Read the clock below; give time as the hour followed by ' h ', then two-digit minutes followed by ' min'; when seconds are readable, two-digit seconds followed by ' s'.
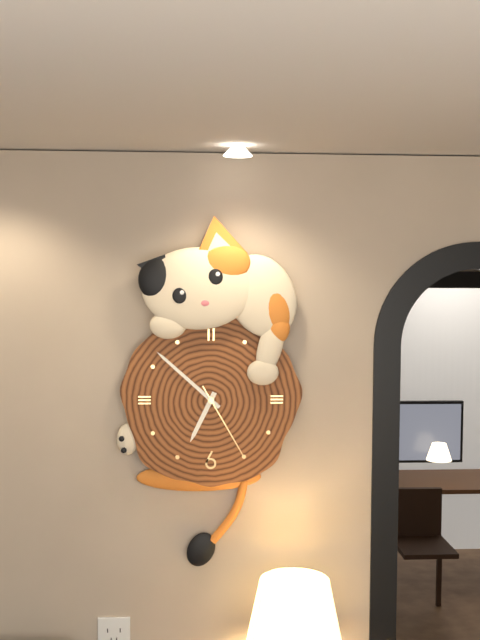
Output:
6 h 52 min 25 s
